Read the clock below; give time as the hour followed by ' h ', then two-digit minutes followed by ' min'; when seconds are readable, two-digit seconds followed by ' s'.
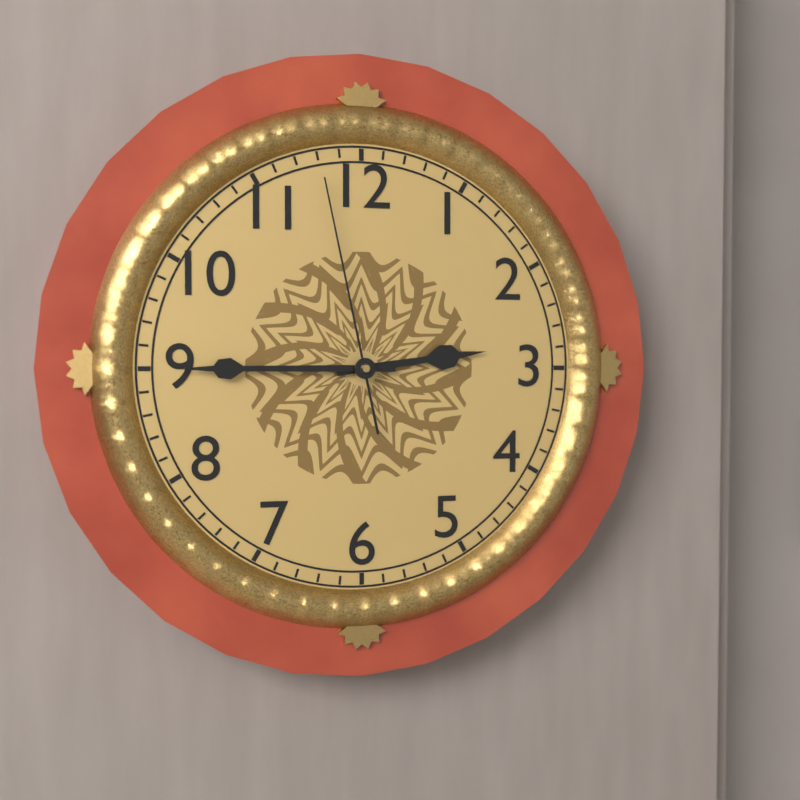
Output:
2 h 45 min 58 s
